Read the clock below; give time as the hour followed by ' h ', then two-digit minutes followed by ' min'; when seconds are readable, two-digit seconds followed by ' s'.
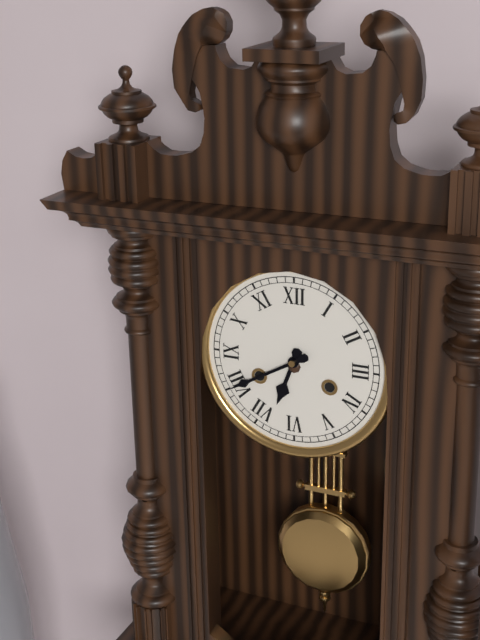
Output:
6 h 40 min
